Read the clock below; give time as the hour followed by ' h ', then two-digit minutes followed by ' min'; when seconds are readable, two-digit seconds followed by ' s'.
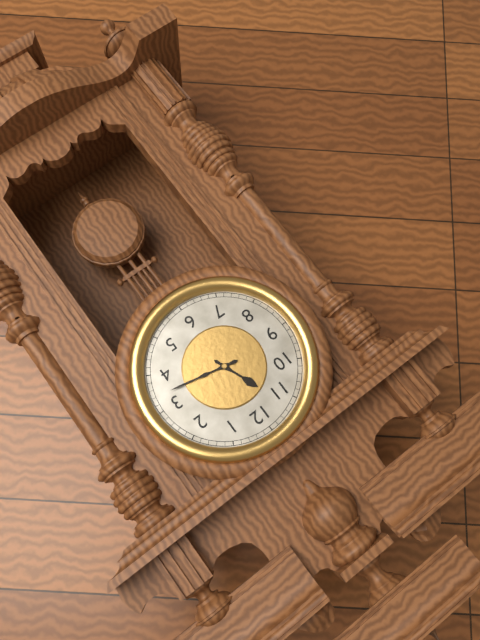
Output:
11 h 17 min
